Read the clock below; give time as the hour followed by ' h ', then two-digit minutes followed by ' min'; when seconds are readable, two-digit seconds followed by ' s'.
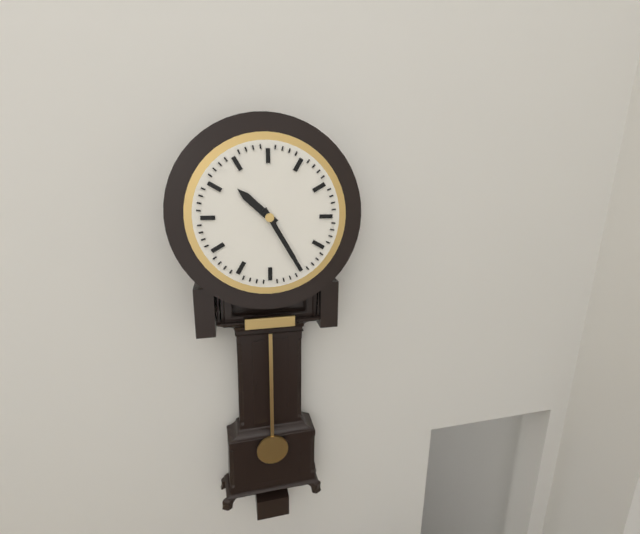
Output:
10 h 25 min
